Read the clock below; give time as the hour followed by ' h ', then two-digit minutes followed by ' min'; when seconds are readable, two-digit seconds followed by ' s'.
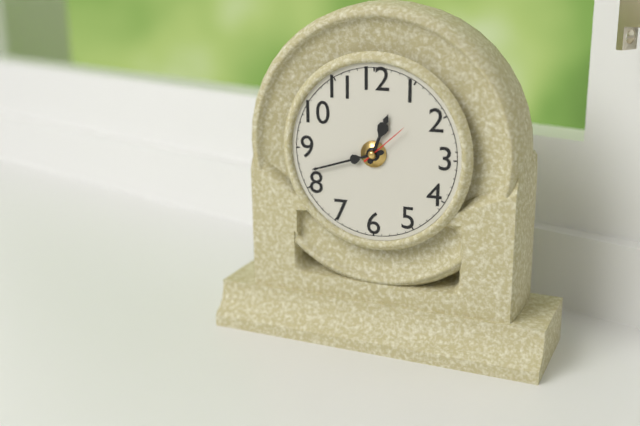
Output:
12 h 42 min 08 s
